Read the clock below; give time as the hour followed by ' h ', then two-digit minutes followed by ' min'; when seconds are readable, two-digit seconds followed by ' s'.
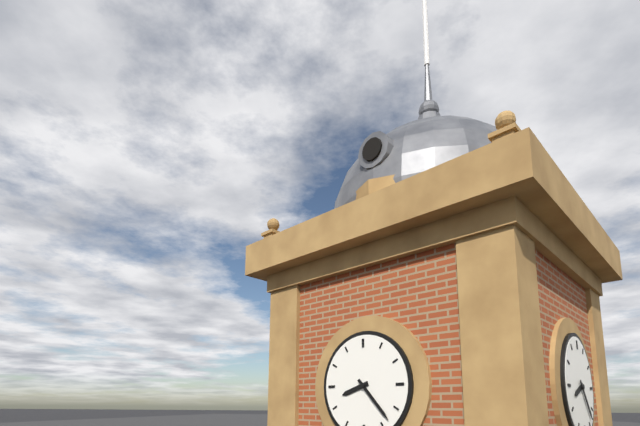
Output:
8 h 23 min
